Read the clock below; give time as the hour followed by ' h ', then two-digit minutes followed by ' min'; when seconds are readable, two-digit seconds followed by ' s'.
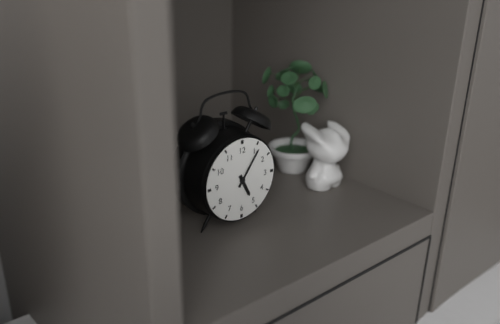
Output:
5 h 06 min
